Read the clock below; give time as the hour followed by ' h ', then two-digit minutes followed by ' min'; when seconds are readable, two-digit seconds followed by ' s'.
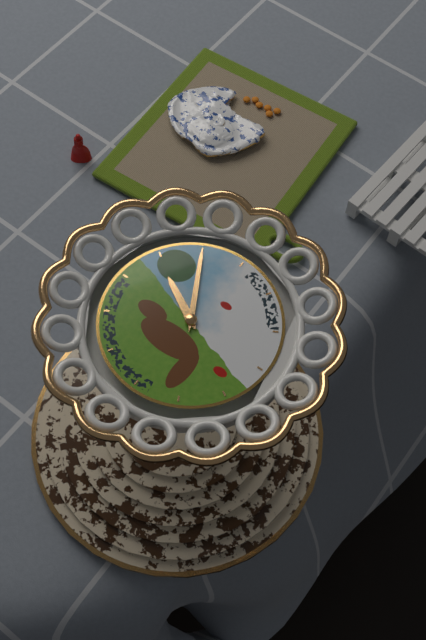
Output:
9 h 55 min
